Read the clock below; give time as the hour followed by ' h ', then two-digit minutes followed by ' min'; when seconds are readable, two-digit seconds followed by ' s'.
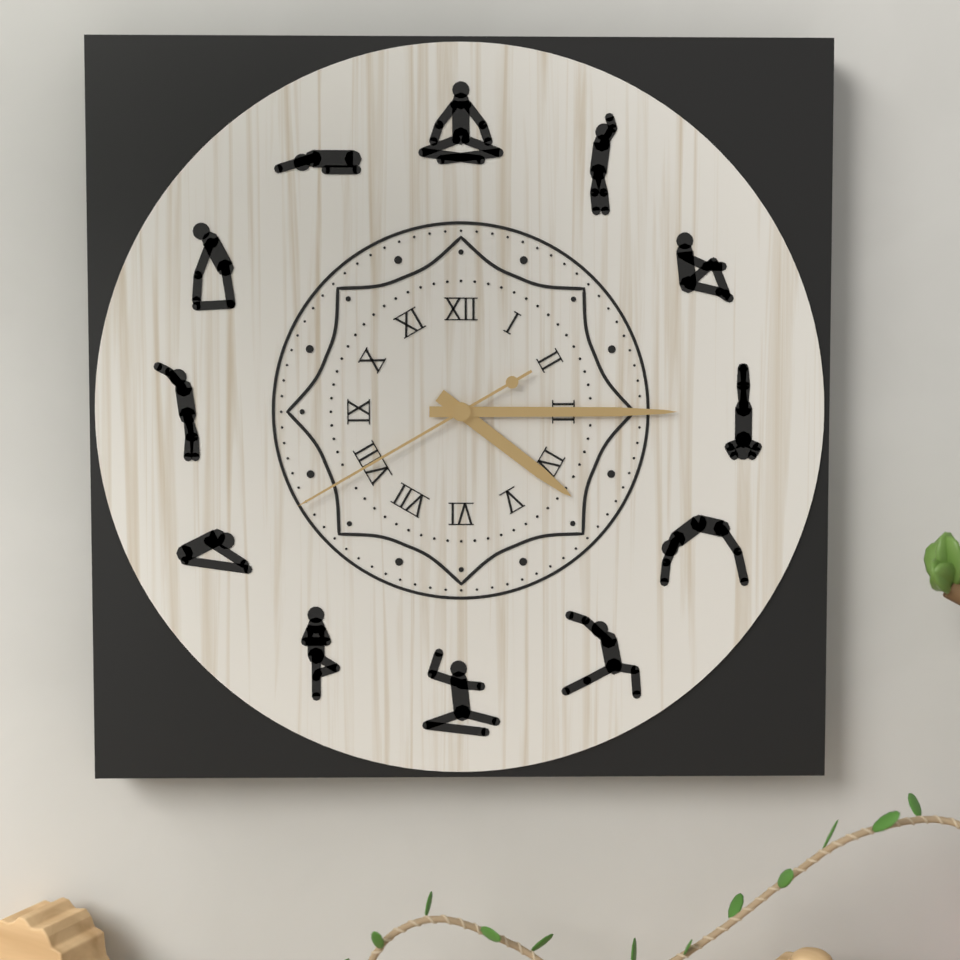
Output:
4 h 15 min 40 s
